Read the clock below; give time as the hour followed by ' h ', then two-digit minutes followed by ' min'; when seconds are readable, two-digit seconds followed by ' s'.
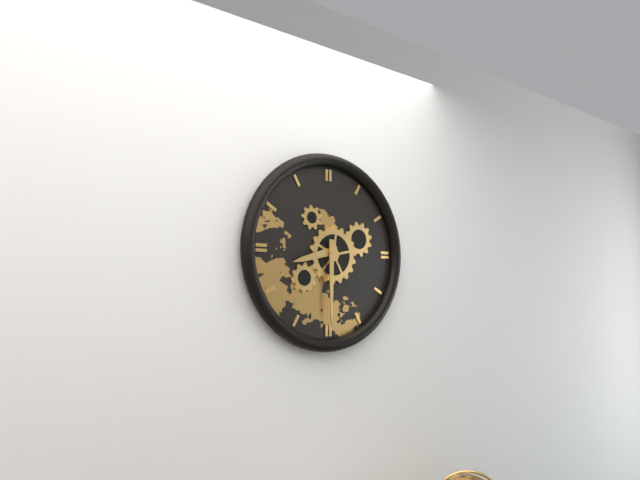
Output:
8 h 30 min
